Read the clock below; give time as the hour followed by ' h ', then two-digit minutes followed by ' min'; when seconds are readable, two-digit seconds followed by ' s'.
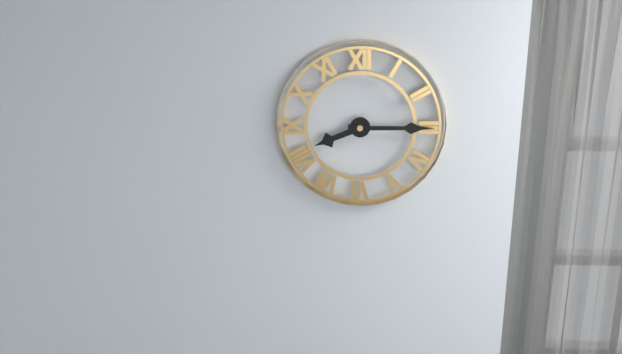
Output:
8 h 15 min
